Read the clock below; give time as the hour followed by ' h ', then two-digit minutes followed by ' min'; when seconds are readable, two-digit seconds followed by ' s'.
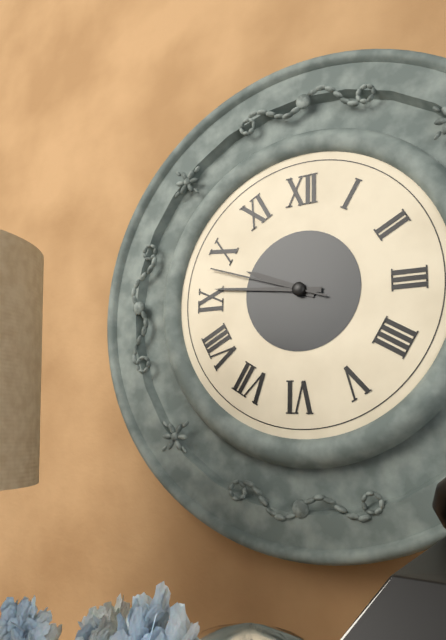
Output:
9 h 46 min 48 s
